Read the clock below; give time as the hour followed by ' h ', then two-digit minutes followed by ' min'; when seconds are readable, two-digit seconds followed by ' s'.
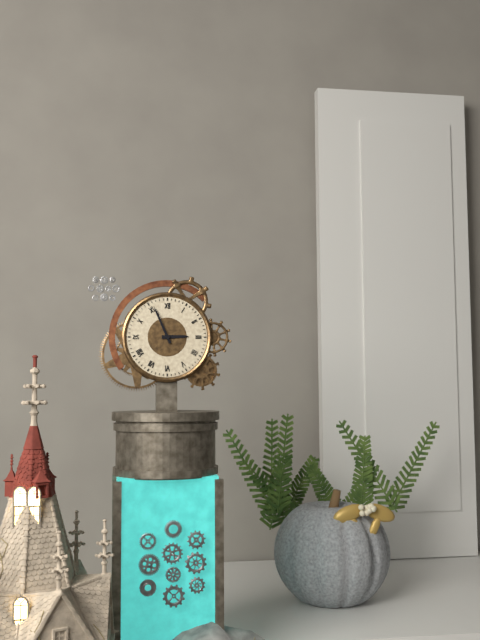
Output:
2 h 56 min
